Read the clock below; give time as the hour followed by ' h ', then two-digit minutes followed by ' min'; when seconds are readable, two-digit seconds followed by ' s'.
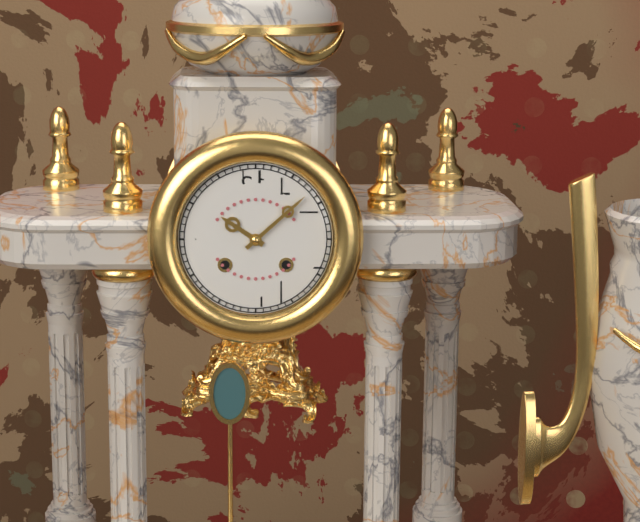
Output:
10 h 08 min
